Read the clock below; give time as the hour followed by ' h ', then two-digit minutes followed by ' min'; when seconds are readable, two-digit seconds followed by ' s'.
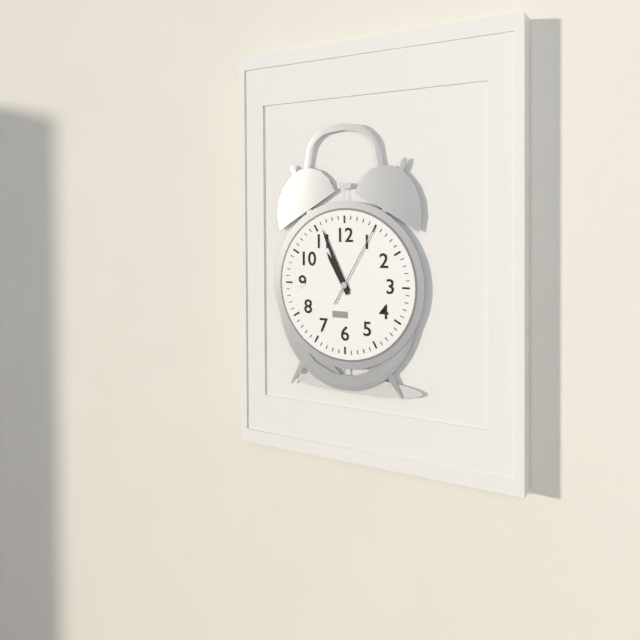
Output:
10 h 56 min 05 s
